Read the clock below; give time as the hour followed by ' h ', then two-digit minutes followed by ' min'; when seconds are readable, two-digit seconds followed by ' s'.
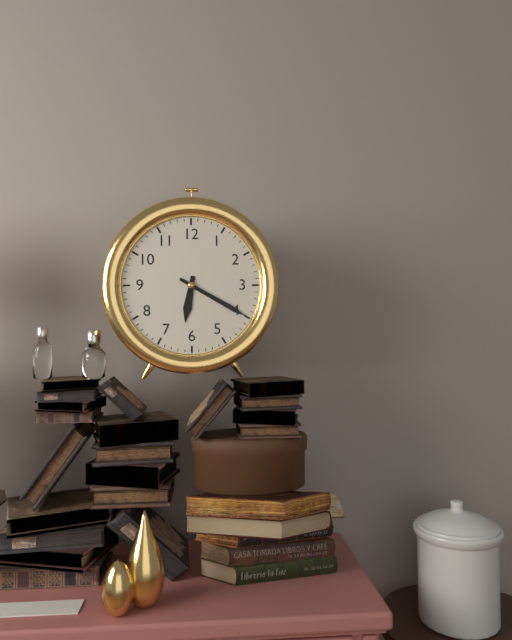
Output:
6 h 20 min
